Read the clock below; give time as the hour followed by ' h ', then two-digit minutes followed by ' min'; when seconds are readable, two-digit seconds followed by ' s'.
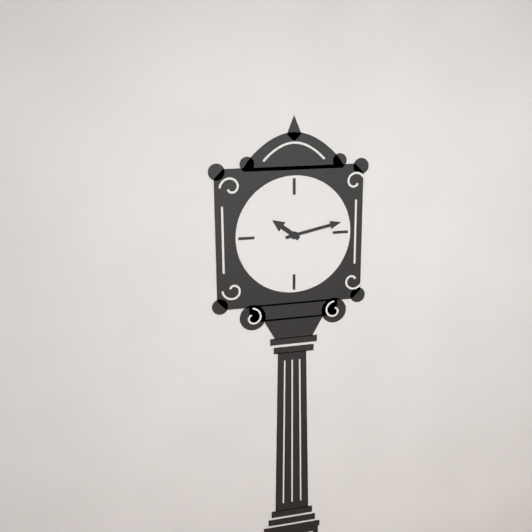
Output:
10 h 13 min
